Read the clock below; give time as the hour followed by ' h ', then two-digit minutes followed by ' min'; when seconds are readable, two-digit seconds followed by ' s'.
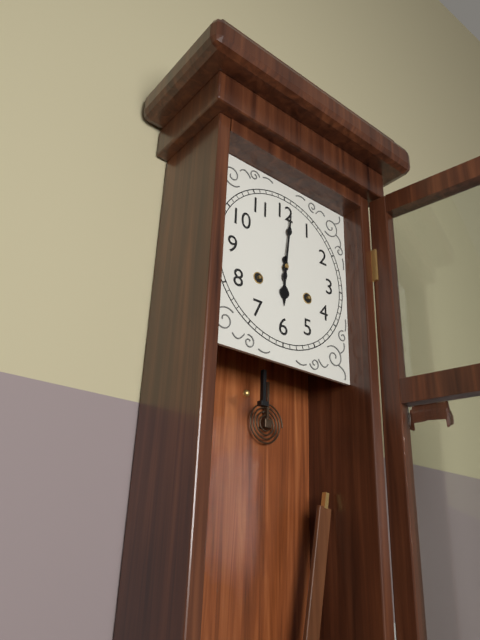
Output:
6 h 01 min
